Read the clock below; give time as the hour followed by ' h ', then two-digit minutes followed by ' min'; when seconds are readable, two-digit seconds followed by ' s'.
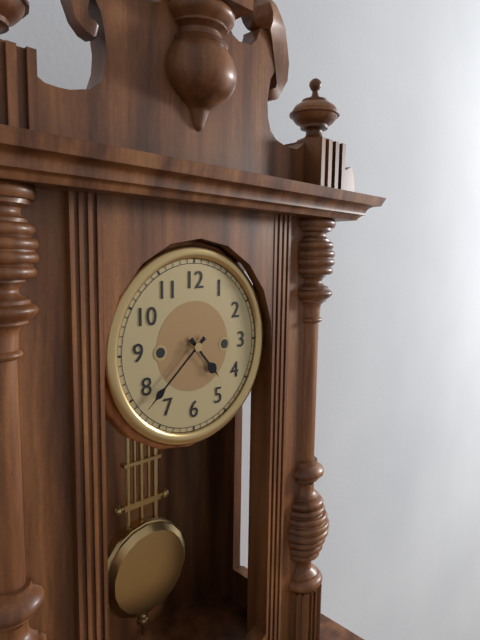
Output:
4 h 38 min
